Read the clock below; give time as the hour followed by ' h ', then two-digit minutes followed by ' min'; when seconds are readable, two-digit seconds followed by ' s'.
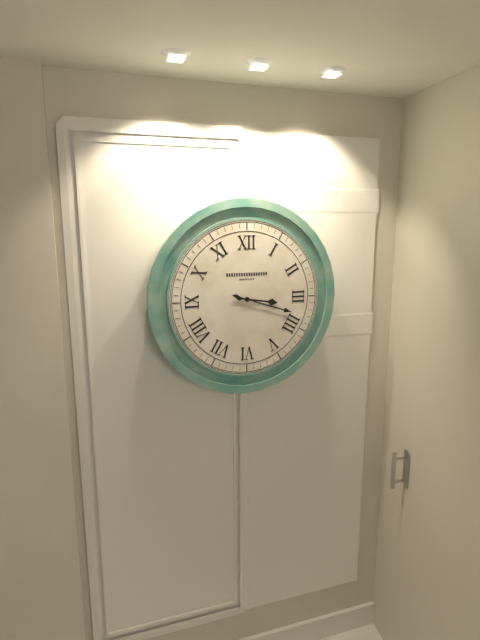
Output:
3 h 18 min
